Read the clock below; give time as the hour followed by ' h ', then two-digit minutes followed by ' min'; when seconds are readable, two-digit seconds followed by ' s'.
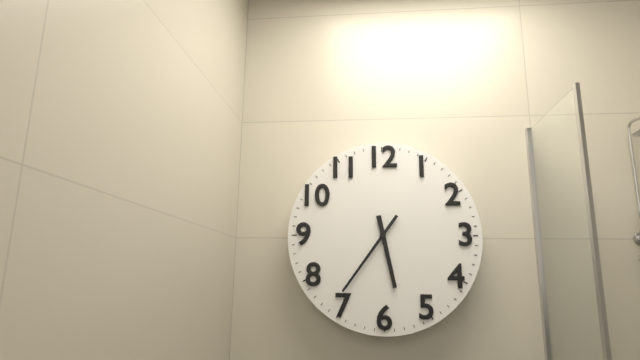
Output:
5 h 36 min
